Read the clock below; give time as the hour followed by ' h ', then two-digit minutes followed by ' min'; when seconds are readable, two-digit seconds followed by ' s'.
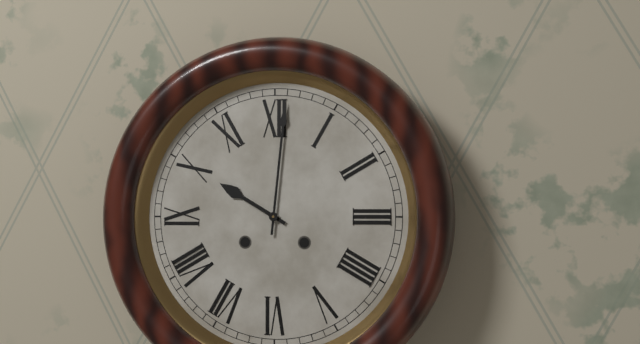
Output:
10 h 01 min
